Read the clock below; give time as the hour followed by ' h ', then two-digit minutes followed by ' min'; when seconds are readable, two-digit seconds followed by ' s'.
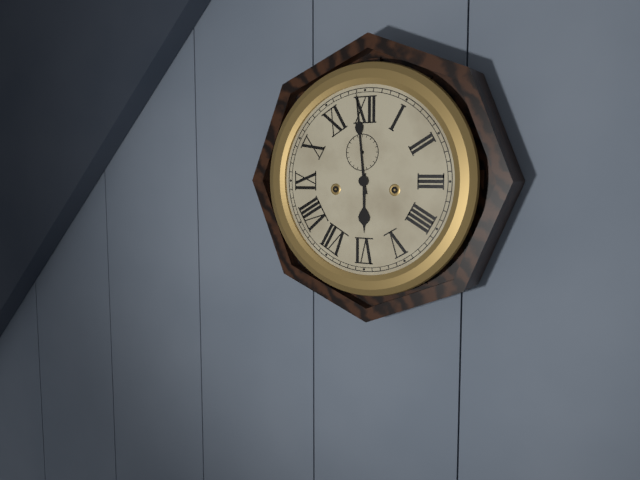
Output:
5 h 59 min
